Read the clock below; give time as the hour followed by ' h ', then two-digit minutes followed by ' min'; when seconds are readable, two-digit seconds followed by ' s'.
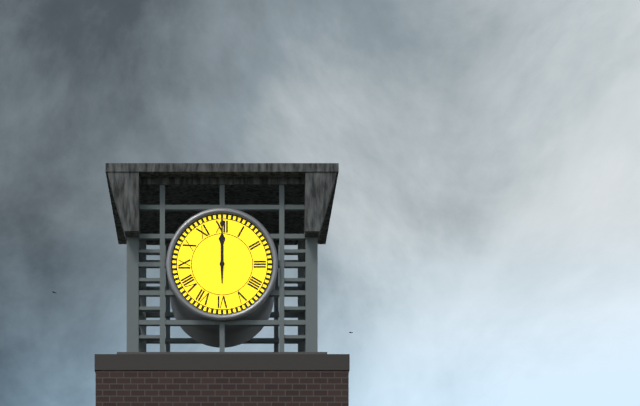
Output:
12 h 00 min
